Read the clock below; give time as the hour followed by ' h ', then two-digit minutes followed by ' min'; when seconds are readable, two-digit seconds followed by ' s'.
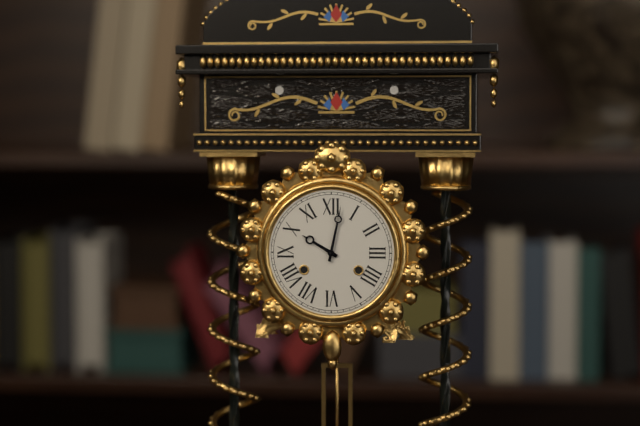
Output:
10 h 02 min
